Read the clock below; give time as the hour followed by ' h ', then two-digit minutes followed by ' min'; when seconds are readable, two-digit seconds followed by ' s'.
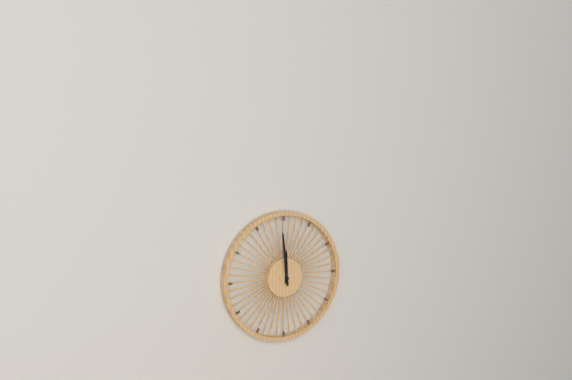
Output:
11 h 59 min
